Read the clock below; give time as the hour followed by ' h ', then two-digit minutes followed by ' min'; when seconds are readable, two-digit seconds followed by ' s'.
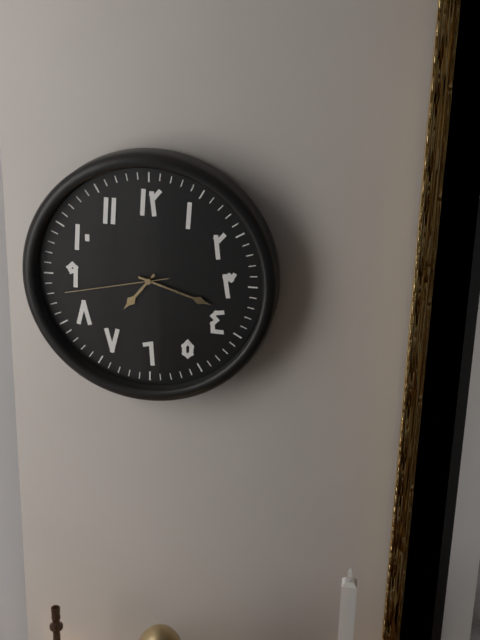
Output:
7 h 18 min 43 s
